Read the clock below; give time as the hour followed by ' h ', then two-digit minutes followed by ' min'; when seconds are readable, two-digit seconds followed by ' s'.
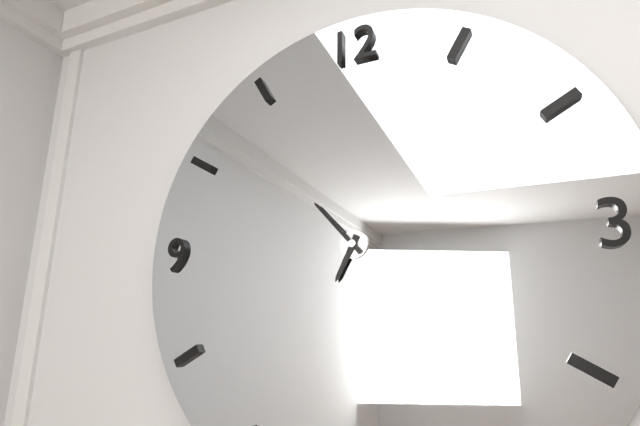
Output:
6 h 53 min
